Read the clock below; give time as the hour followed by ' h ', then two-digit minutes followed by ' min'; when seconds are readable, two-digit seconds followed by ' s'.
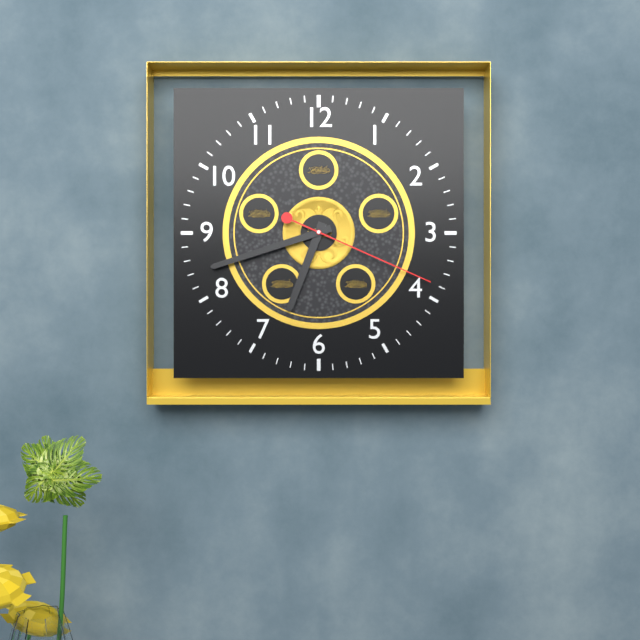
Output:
6 h 42 min 19 s
